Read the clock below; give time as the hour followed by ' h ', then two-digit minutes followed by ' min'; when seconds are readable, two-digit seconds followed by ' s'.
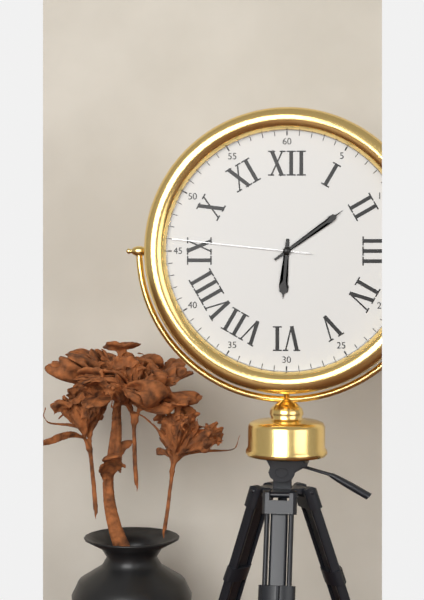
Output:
6 h 09 min 46 s
